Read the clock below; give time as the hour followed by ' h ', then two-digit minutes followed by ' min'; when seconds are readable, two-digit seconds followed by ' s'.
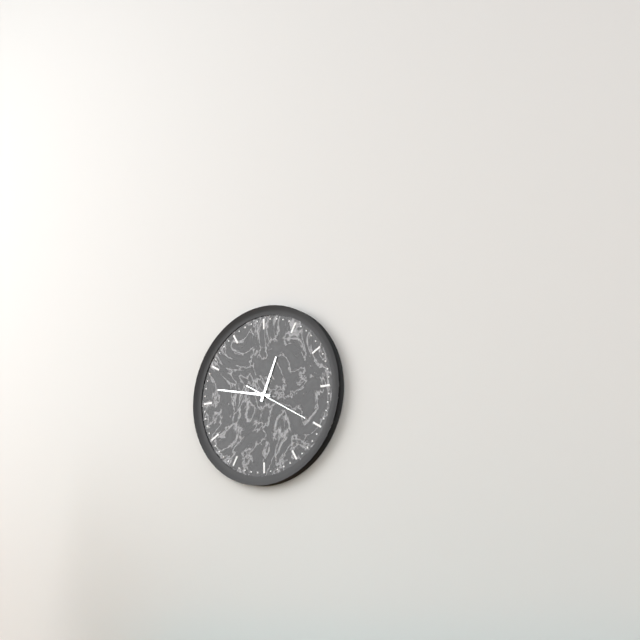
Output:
12 h 47 min 20 s
